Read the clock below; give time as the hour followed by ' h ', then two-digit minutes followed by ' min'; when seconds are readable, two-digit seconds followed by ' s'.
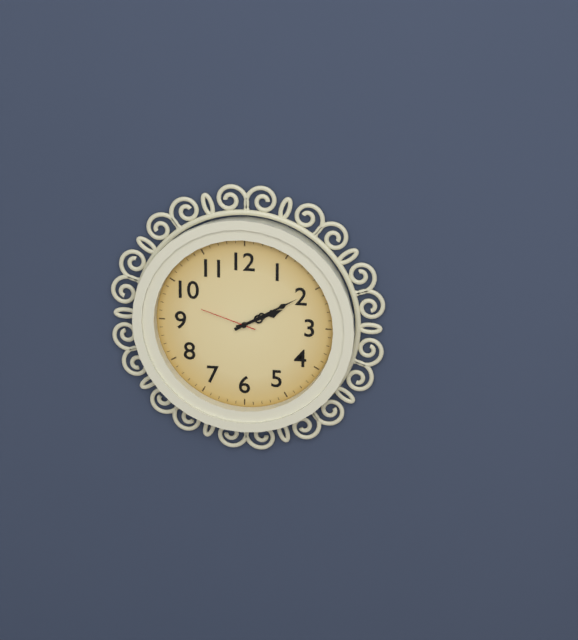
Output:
2 h 10 min 48 s
